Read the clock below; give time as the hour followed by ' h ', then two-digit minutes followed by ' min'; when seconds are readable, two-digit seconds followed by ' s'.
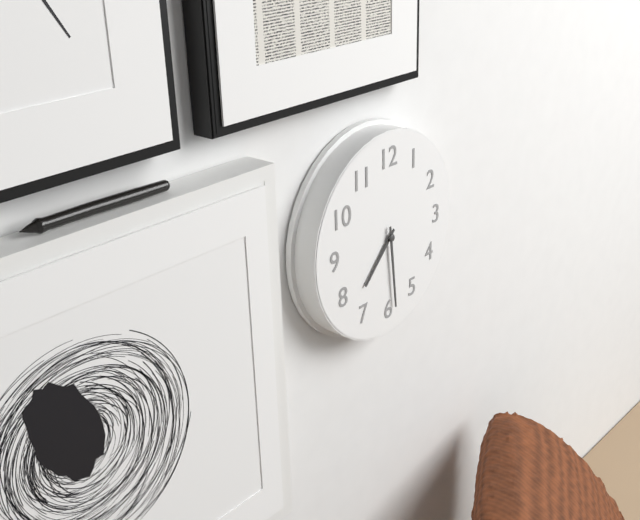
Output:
7 h 29 min
